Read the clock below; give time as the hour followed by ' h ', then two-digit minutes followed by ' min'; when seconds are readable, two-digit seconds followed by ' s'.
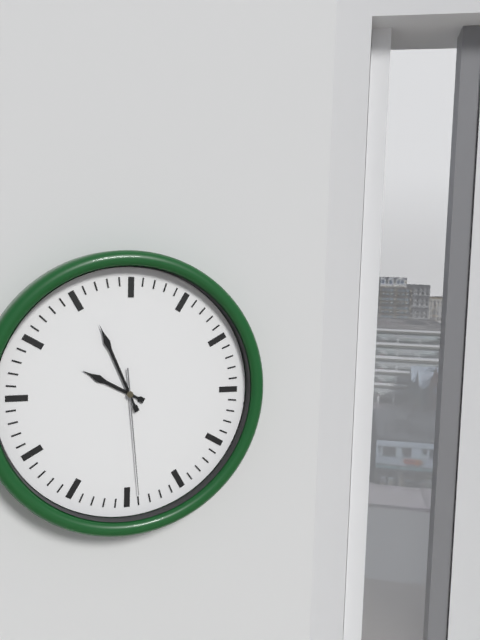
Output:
9 h 56 min 29 s
